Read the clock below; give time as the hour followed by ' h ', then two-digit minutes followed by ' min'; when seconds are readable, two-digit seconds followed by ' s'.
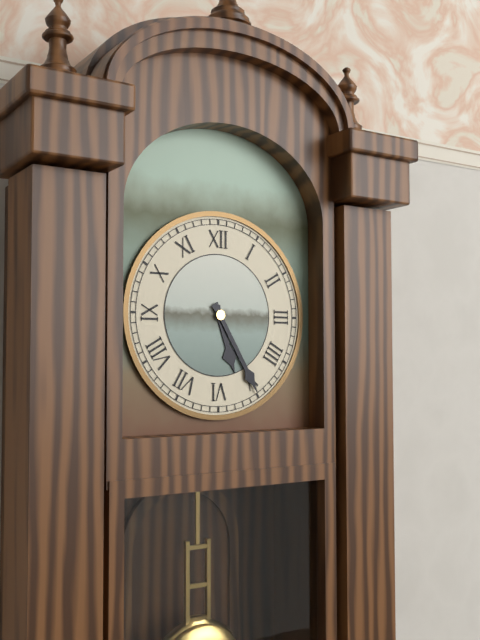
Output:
5 h 25 min
